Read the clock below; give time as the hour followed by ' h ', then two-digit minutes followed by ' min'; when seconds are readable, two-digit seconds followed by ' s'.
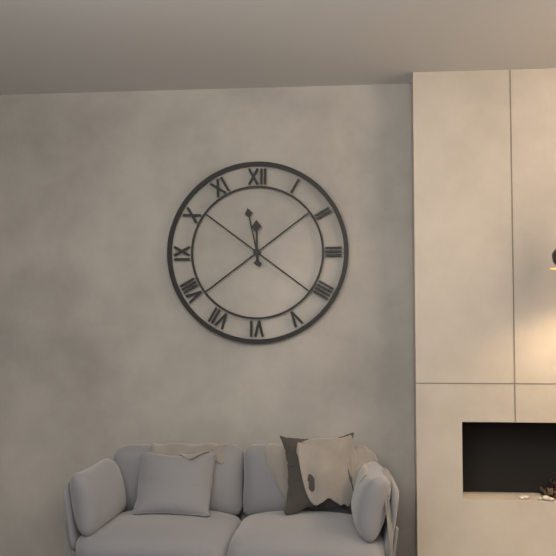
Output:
11 h 58 min
